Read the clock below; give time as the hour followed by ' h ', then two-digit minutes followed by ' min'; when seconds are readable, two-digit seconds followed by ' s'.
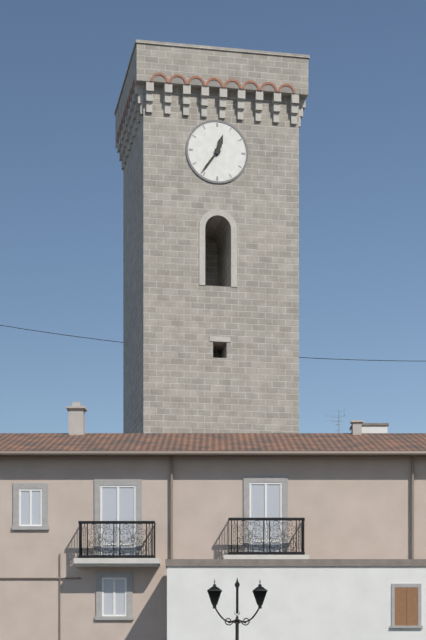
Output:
12 h 36 min
